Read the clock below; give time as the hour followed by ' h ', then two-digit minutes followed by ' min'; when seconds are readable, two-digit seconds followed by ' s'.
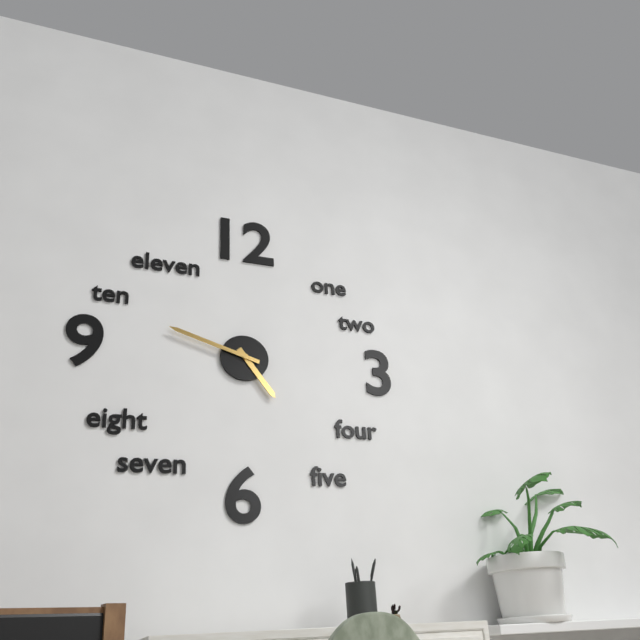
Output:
4 h 48 min
